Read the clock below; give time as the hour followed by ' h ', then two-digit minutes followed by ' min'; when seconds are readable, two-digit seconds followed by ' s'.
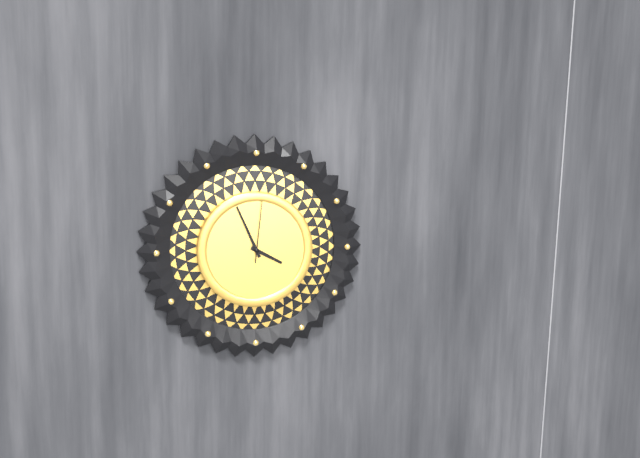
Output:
3 h 56 min 01 s
